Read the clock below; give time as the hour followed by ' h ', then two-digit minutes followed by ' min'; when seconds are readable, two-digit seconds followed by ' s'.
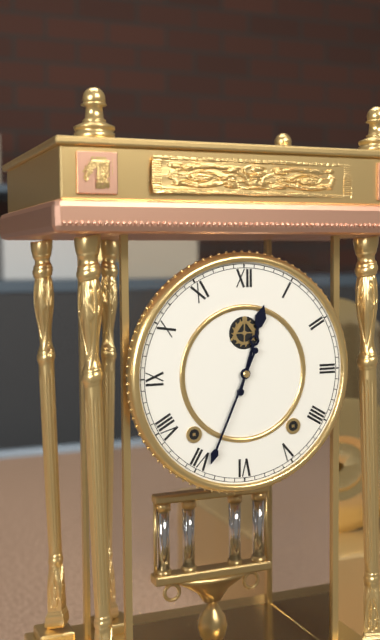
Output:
12 h 34 min
